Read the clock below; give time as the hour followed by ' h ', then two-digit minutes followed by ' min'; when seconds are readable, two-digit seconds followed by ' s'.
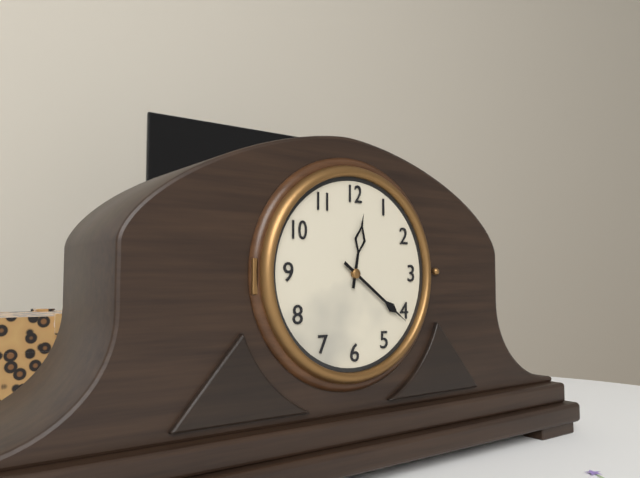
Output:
12 h 21 min
